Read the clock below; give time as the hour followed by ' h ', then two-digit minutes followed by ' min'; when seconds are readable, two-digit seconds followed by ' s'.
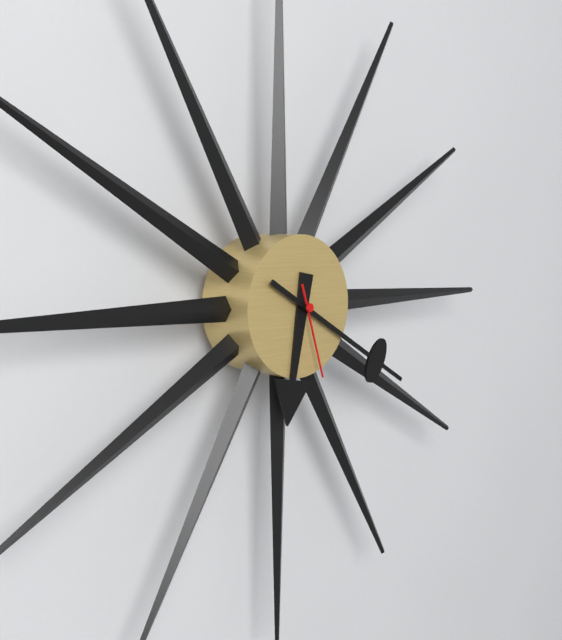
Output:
6 h 20 min 27 s
